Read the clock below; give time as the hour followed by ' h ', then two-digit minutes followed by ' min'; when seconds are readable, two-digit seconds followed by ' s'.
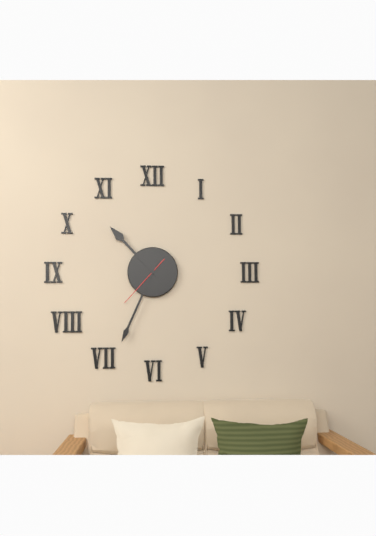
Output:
10 h 34 min 37 s
